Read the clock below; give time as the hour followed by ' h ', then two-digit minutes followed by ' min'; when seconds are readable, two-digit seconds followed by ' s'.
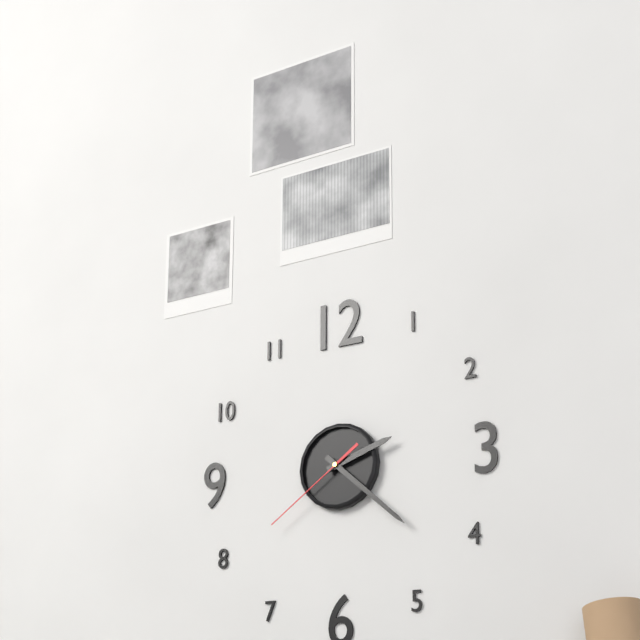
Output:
2 h 22 min 39 s
